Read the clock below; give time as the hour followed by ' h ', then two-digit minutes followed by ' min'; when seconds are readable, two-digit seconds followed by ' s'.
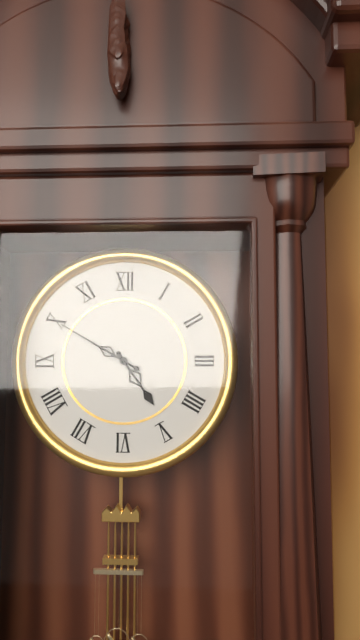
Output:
4 h 50 min
